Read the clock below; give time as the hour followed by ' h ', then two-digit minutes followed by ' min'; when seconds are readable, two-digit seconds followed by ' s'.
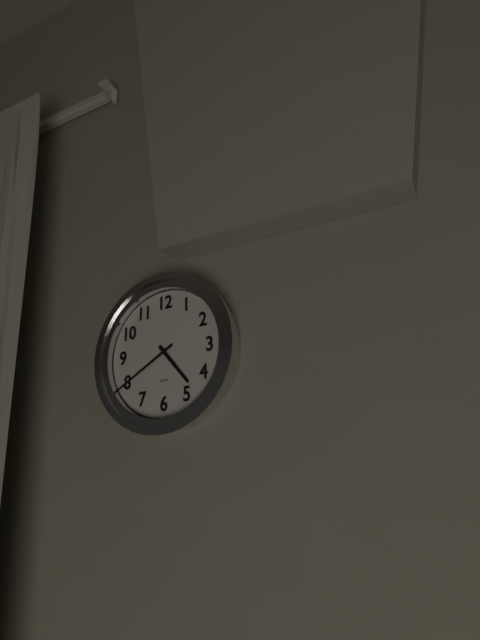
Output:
4 h 40 min
